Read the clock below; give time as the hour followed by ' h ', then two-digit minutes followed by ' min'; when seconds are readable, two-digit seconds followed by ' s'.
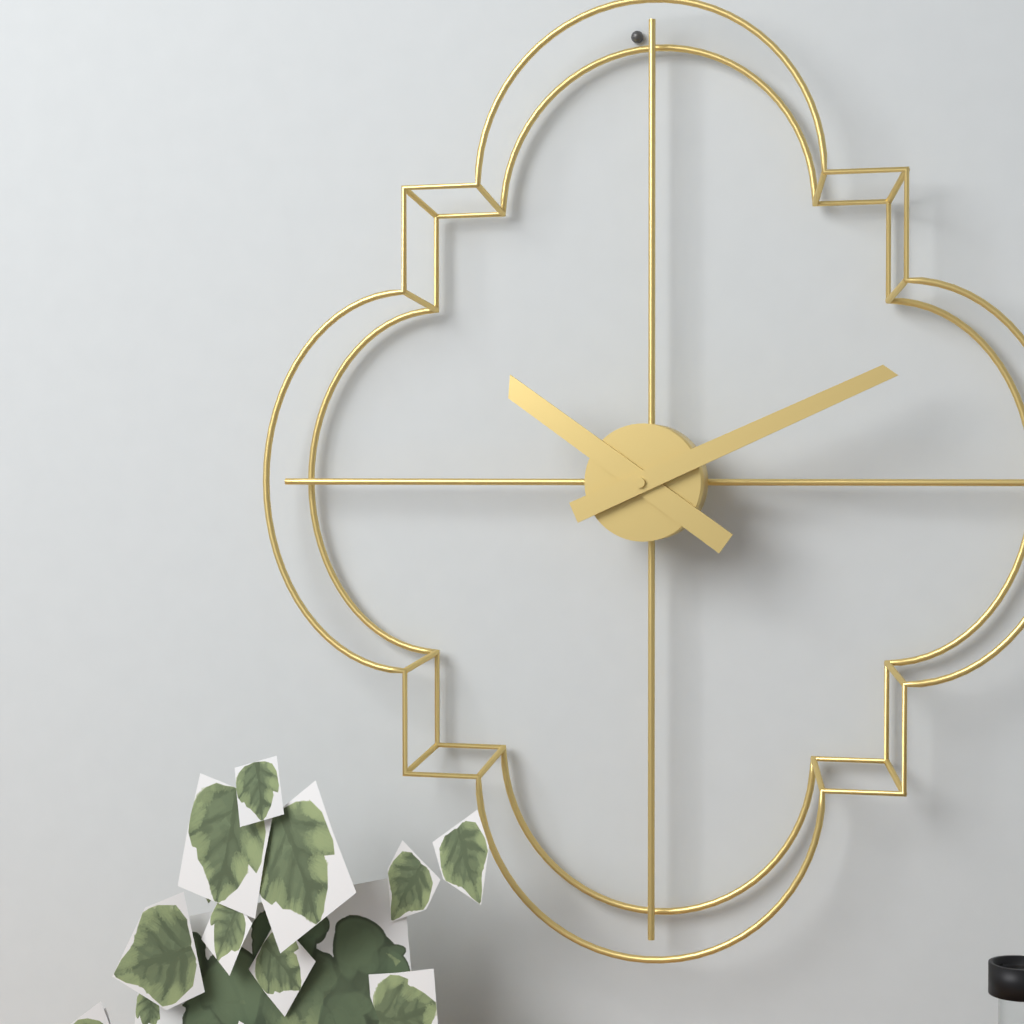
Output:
10 h 11 min
